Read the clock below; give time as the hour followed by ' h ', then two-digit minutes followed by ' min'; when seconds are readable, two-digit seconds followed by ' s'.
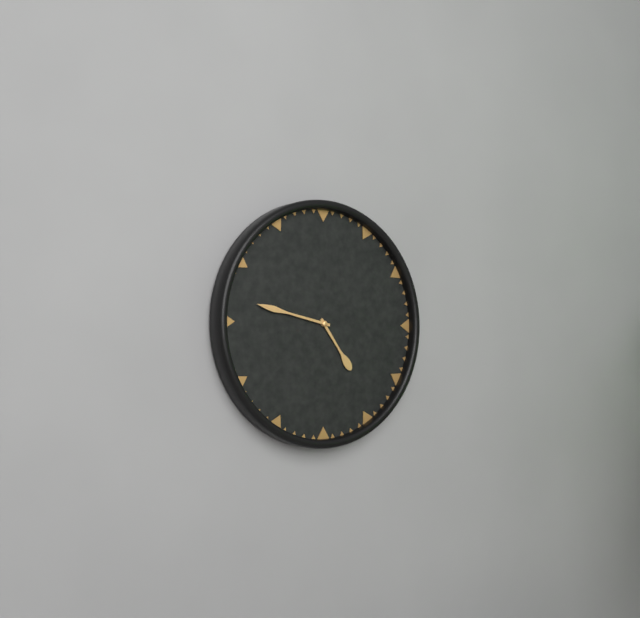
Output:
4 h 47 min
